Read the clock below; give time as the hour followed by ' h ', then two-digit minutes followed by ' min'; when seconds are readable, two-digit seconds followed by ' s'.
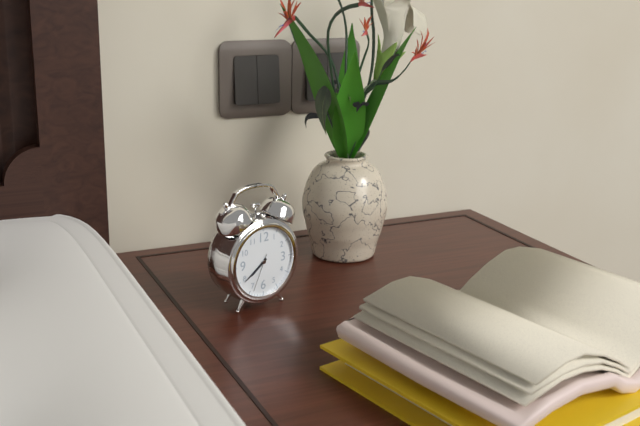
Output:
7 h 39 min
